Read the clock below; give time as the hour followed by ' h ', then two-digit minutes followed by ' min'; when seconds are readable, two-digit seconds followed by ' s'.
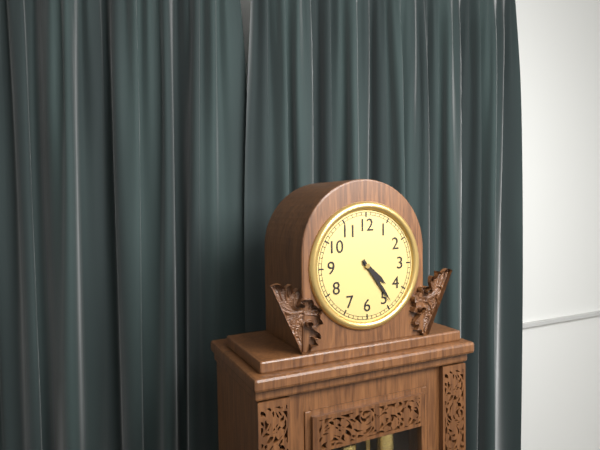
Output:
4 h 24 min
